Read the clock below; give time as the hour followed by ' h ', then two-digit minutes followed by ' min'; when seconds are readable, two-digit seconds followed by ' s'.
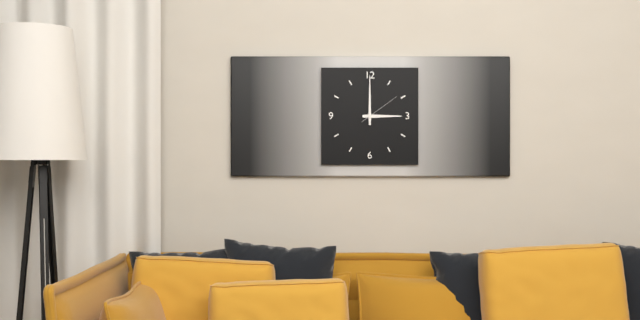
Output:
3 h 00 min
